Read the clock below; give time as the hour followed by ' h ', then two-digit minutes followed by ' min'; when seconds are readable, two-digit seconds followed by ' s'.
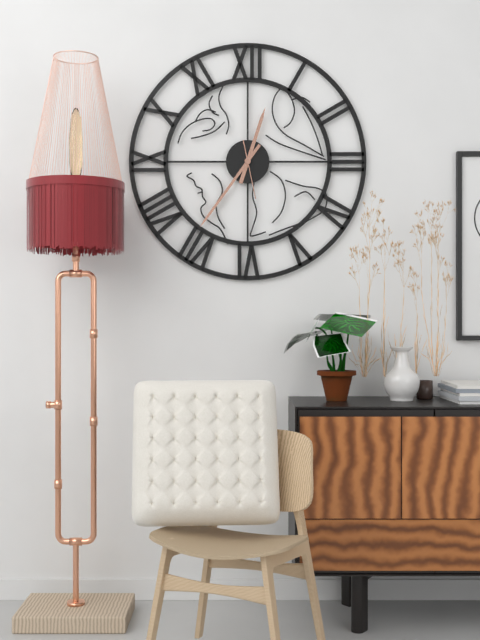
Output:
12 h 36 min
